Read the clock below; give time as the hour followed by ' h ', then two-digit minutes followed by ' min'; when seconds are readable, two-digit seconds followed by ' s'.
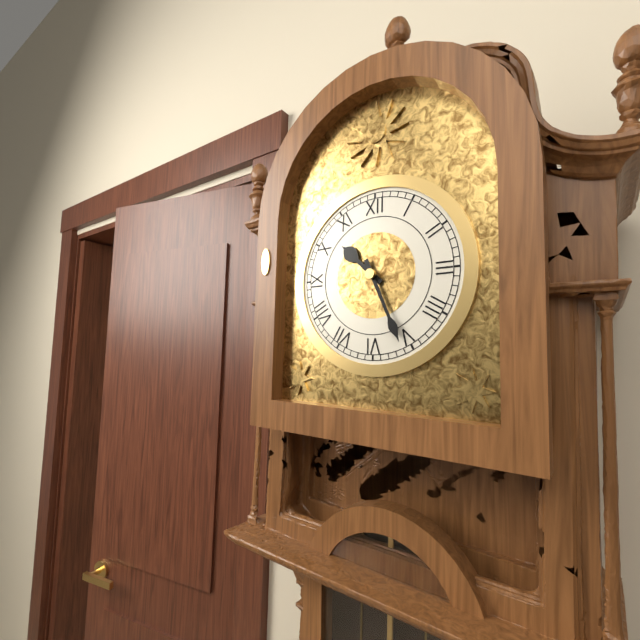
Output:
10 h 26 min
